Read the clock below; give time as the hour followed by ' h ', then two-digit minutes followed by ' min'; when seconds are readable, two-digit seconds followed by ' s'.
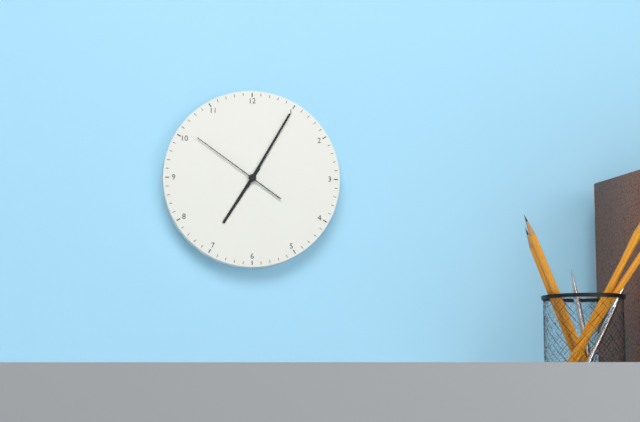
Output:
7 h 05 min 51 s
